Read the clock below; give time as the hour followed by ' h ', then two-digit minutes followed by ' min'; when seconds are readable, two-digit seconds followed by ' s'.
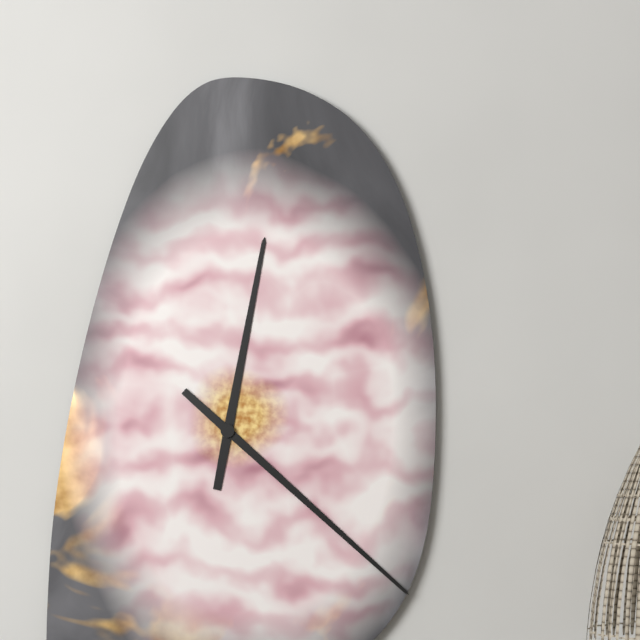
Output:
12 h 22 min
